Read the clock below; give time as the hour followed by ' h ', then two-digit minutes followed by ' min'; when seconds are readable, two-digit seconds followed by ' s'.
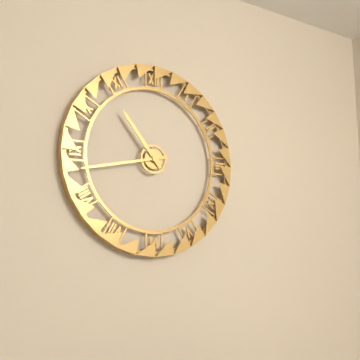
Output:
10 h 43 min
